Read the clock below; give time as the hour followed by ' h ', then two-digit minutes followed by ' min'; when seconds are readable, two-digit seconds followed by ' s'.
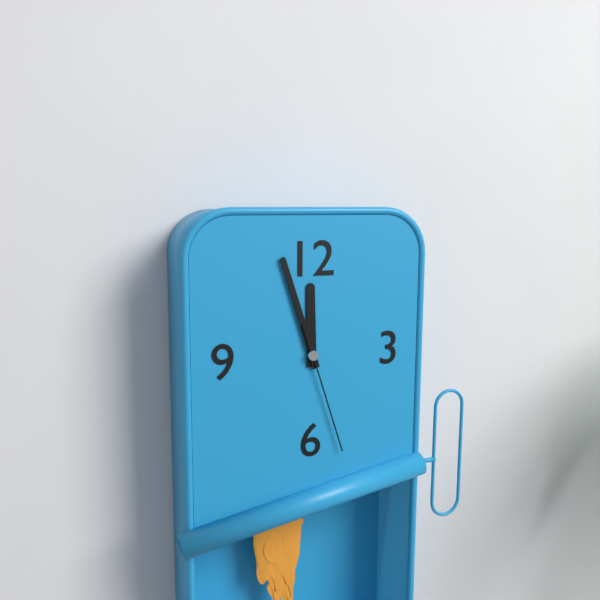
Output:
11 h 57 min 27 s
